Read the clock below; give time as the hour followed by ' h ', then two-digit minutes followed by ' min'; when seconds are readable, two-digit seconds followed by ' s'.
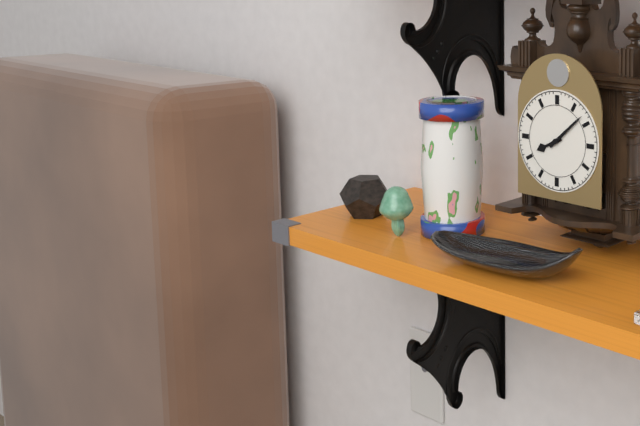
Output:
8 h 08 min
